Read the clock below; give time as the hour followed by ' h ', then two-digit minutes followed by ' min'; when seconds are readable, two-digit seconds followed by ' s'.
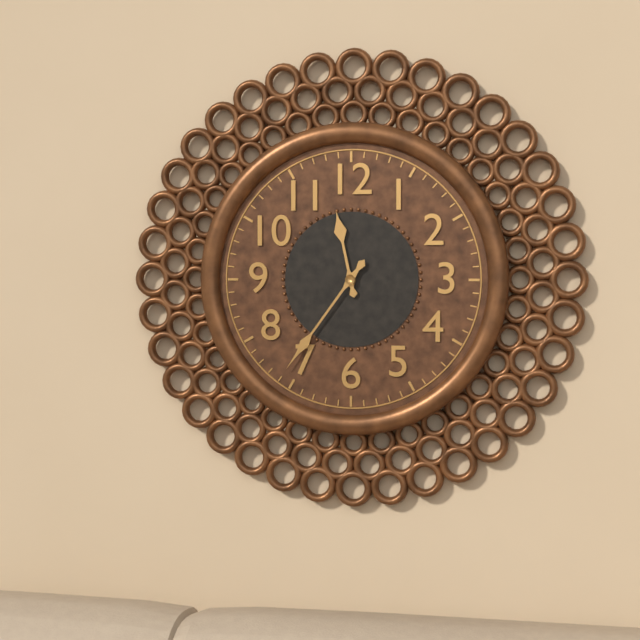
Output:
11 h 36 min
